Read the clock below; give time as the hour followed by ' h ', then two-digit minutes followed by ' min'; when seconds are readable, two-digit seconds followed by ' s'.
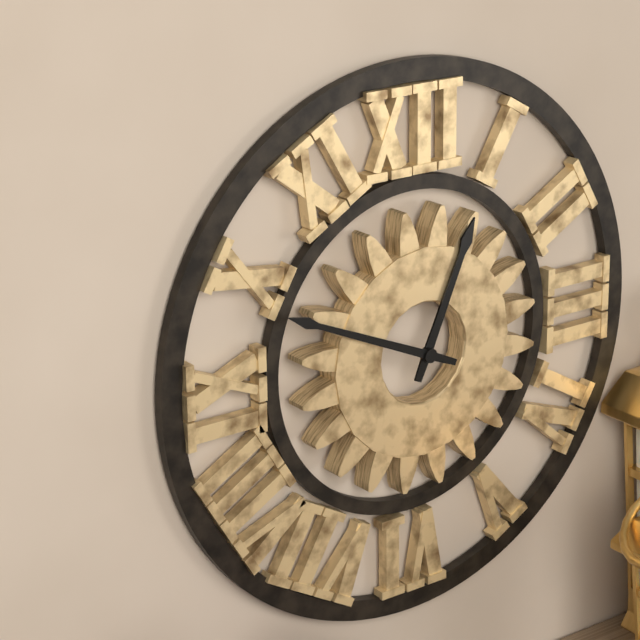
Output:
12 h 49 min
